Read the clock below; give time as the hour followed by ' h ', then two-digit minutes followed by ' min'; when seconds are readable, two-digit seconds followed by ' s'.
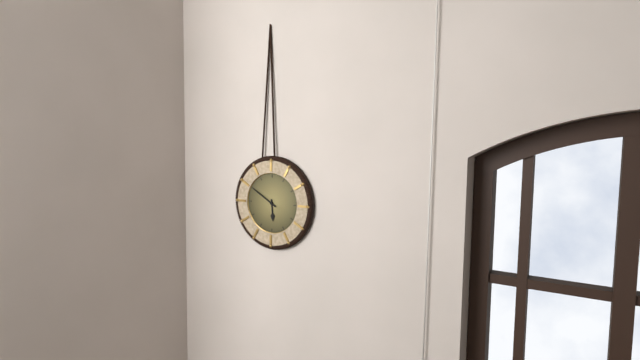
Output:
5 h 50 min
